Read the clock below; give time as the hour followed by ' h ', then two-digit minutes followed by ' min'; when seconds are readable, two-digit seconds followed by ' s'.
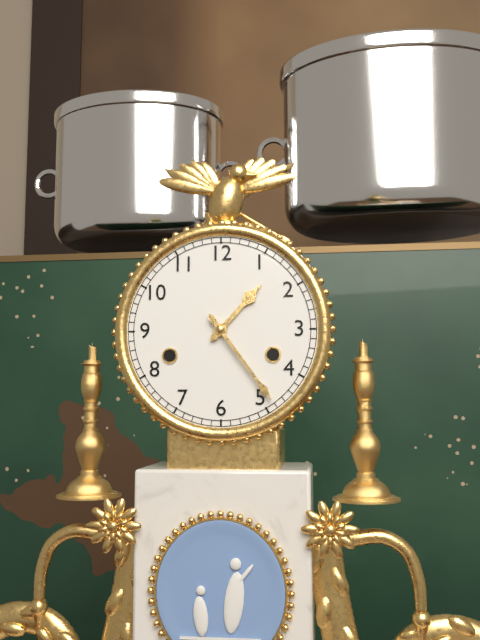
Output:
1 h 24 min
